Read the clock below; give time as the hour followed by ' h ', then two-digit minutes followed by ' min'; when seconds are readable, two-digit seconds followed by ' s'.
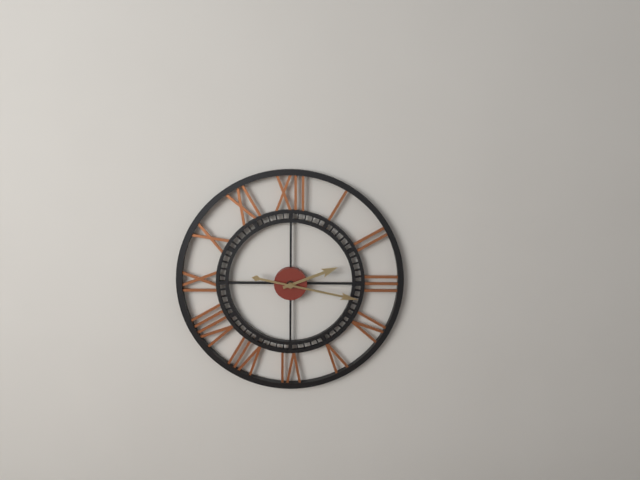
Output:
2 h 17 min
